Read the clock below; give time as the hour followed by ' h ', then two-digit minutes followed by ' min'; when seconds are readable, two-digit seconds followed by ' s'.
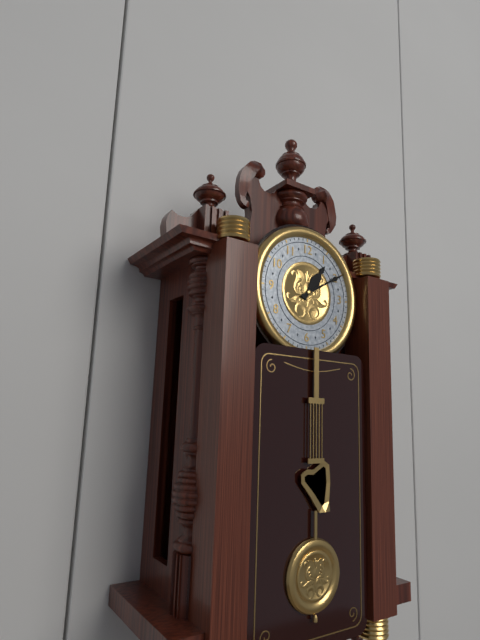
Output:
1 h 10 min
